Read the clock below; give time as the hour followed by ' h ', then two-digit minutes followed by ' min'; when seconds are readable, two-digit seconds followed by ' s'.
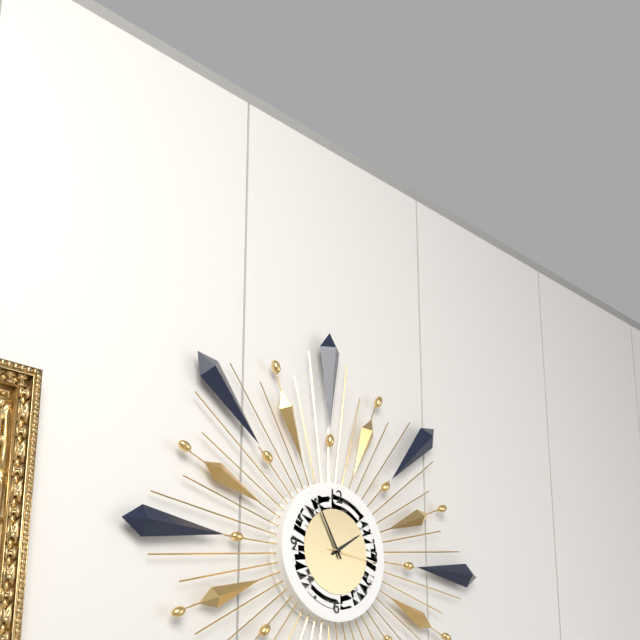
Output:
1 h 55 min 16 s
